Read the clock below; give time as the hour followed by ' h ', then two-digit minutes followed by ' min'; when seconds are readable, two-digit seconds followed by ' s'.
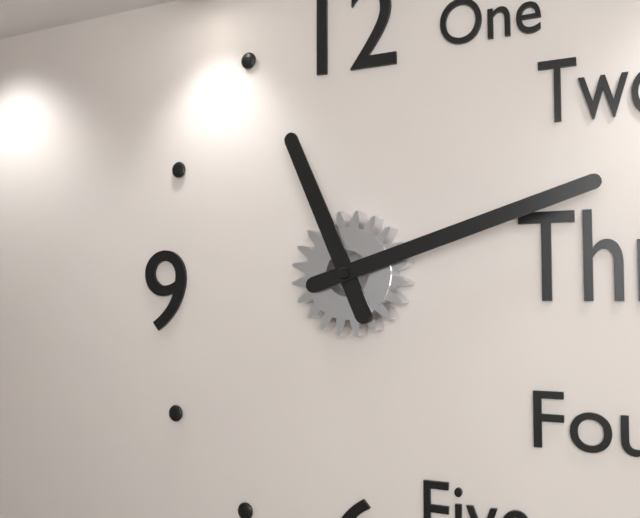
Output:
11 h 12 min
